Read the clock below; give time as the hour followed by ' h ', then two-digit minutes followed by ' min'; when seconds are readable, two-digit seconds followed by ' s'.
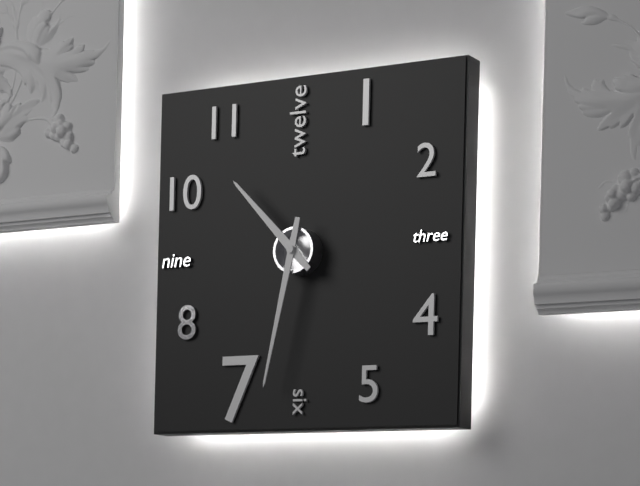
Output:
10 h 32 min
